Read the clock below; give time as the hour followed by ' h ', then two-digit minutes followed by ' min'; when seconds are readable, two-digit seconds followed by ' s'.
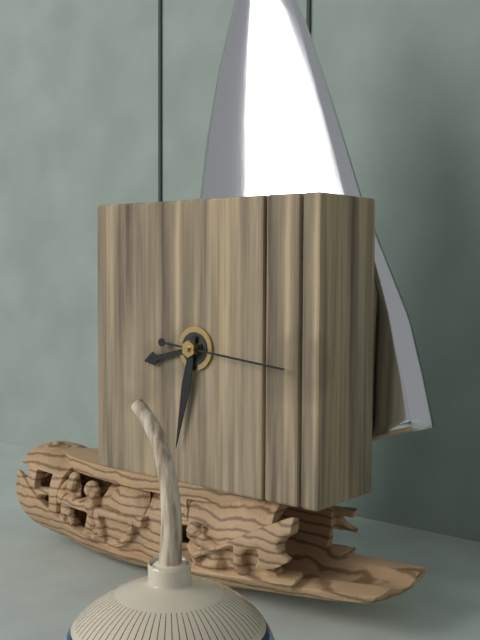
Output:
8 h 32 min 16 s
